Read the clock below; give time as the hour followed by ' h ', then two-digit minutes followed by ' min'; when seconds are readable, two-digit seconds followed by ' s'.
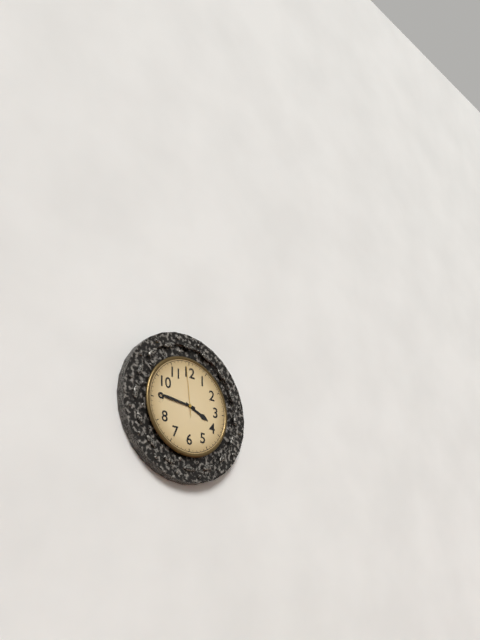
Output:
3 h 46 min 59 s
